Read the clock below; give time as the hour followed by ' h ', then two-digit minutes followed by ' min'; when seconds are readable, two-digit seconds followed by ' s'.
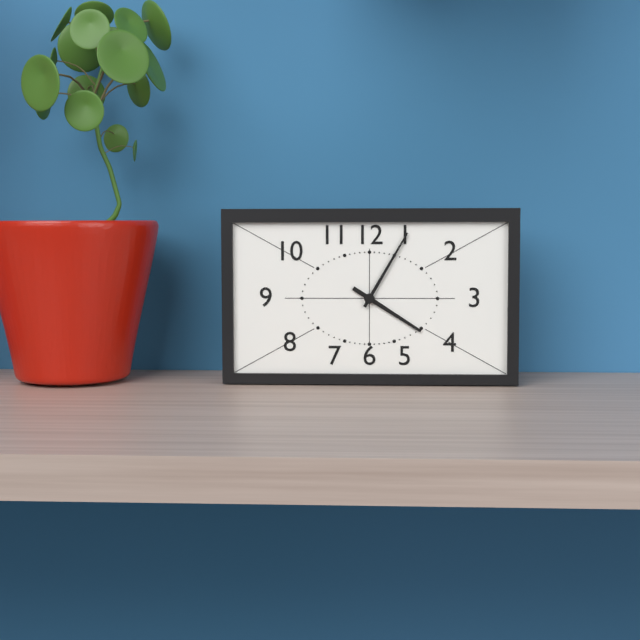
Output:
4 h 05 min
